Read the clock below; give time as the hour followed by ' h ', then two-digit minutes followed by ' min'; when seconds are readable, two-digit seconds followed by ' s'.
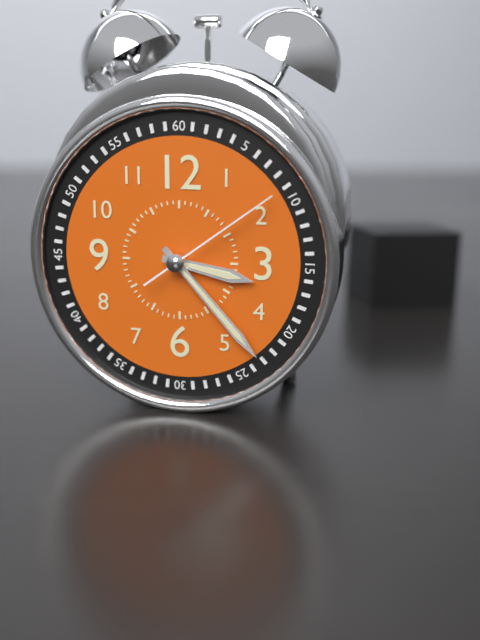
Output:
3 h 23 min 09 s
